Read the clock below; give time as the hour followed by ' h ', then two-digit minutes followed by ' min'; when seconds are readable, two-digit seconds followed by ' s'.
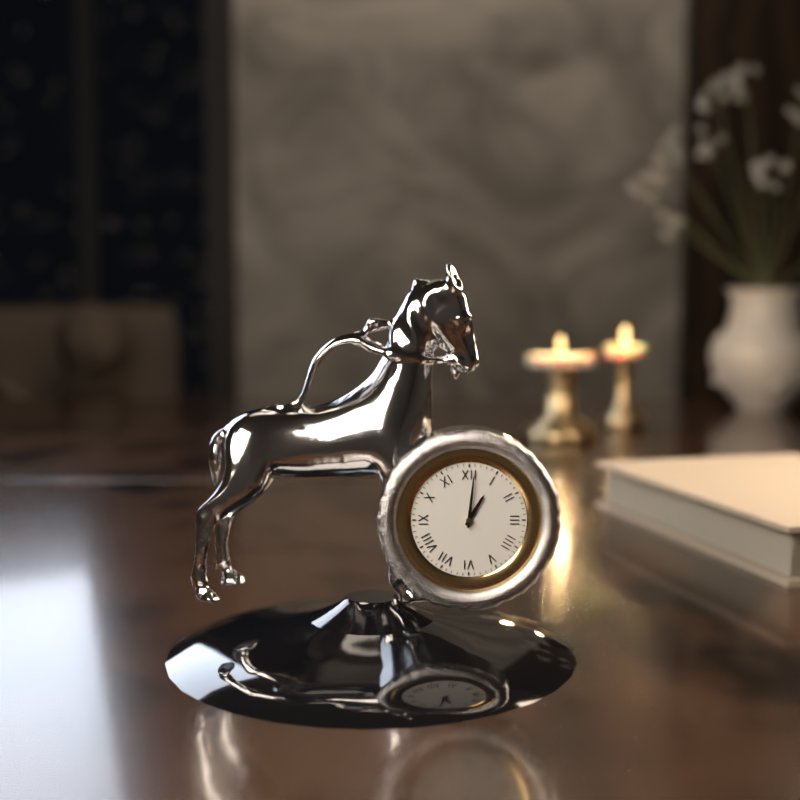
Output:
1 h 01 min
